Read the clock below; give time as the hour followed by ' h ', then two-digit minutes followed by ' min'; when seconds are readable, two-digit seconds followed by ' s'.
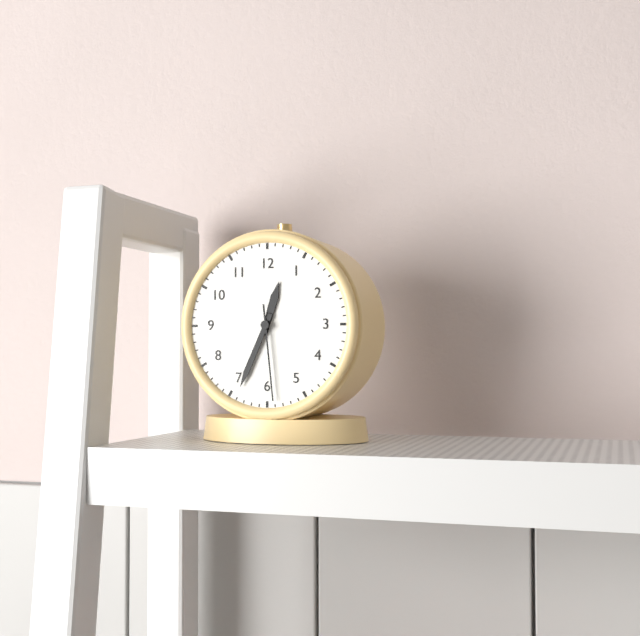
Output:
12 h 34 min 29 s
